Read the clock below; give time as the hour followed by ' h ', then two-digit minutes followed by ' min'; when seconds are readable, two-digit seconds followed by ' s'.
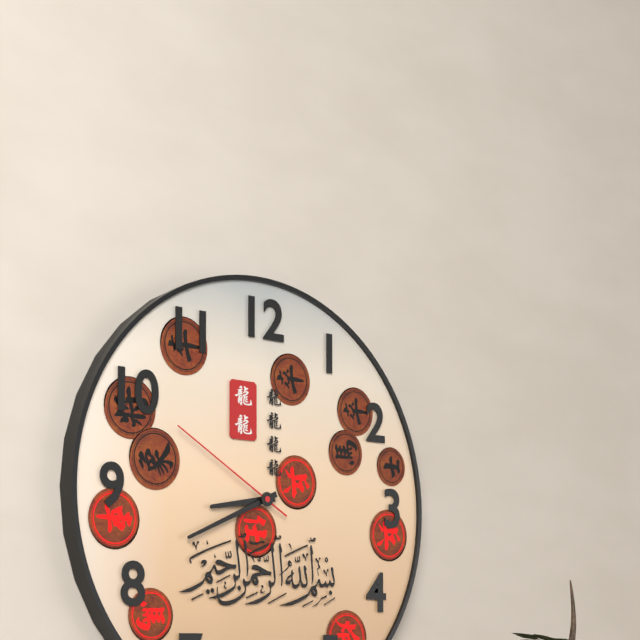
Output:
8 h 41 min 50 s
